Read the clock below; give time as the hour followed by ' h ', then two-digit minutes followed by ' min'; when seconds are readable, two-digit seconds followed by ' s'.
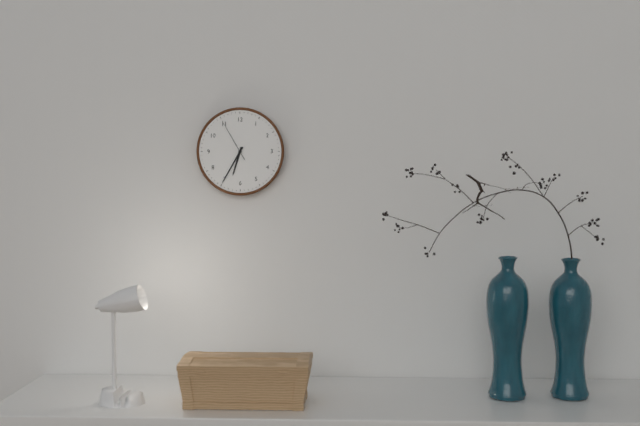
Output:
6 h 35 min
